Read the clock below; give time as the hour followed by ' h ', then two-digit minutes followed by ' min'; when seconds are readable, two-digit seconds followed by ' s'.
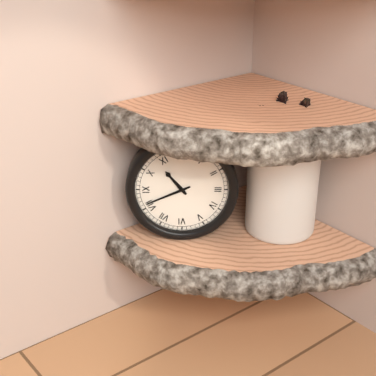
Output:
10 h 41 min
